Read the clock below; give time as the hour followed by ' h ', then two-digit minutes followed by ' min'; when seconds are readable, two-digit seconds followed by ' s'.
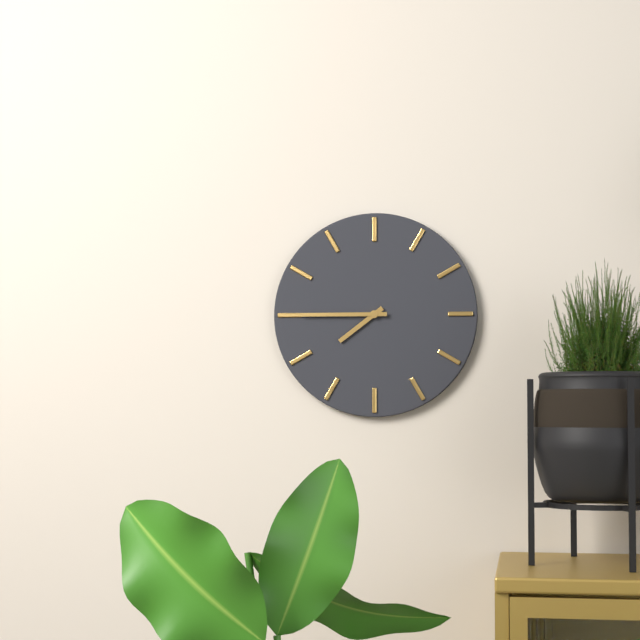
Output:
7 h 45 min
